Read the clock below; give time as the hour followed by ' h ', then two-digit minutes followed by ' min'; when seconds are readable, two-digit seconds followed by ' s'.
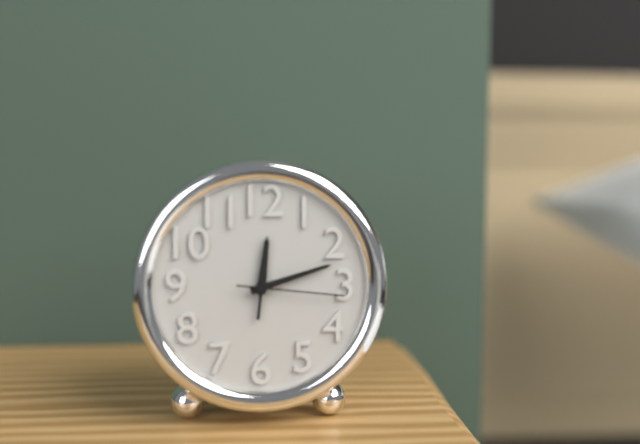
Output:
12 h 12 min 16 s
